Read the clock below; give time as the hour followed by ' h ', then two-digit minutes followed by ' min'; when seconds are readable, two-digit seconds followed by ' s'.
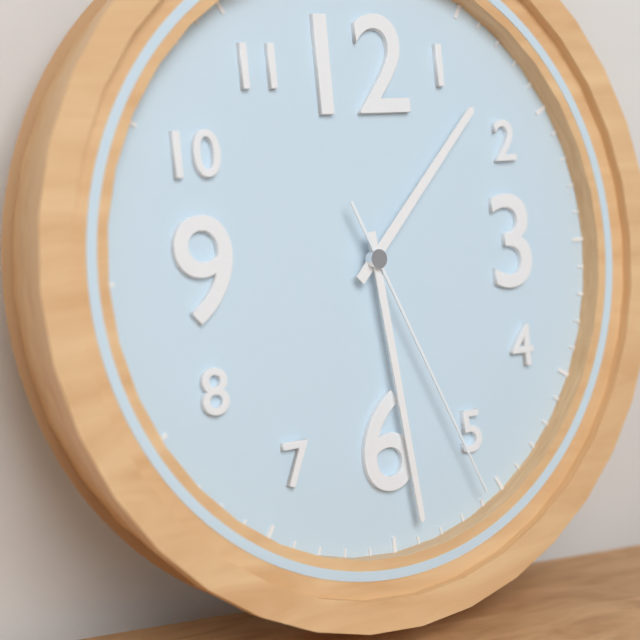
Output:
1 h 29 min 26 s
